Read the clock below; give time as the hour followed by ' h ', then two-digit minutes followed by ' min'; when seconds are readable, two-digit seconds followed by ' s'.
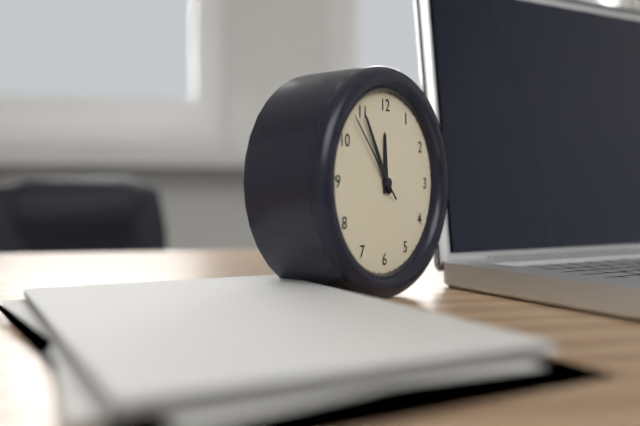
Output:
11 h 55 min 53 s
